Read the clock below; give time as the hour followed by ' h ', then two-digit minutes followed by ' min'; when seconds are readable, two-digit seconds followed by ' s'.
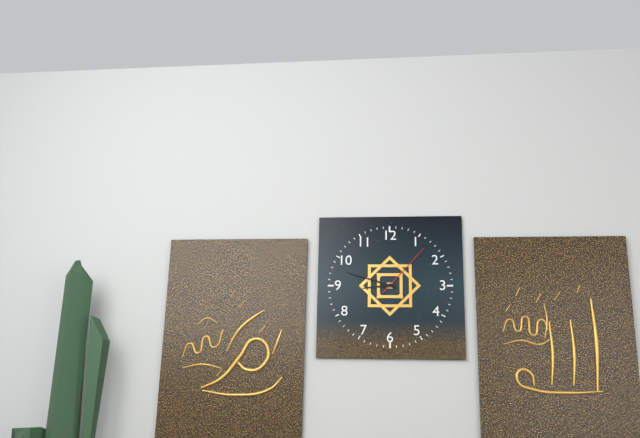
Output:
8 h 48 min 07 s
